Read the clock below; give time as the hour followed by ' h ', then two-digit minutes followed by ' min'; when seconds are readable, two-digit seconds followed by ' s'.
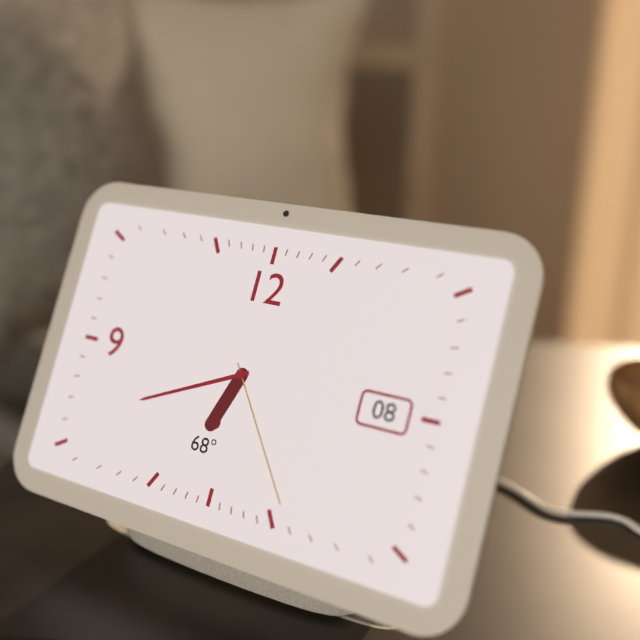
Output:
6 h 41 min 24 s
